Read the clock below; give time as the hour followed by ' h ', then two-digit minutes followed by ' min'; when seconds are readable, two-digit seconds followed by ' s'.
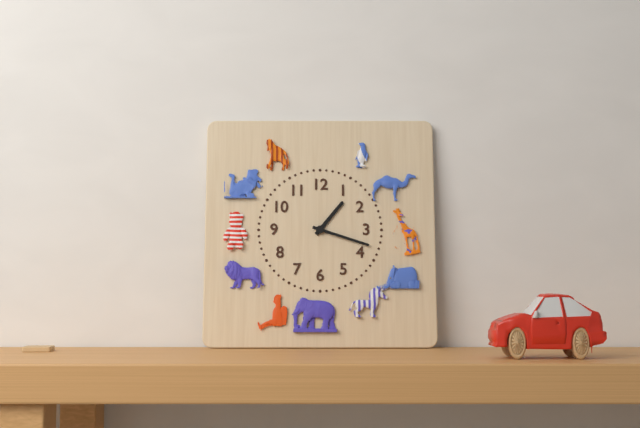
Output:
1 h 18 min
